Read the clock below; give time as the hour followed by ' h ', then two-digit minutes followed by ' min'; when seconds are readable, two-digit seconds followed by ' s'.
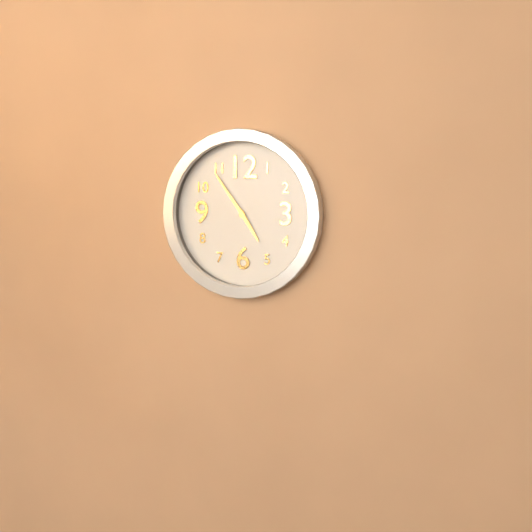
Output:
4 h 54 min
